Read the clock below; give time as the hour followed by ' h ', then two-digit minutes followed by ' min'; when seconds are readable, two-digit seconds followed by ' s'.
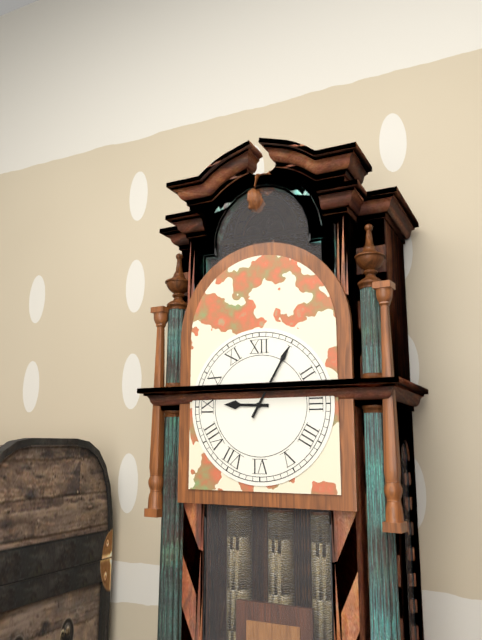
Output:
9 h 05 min
